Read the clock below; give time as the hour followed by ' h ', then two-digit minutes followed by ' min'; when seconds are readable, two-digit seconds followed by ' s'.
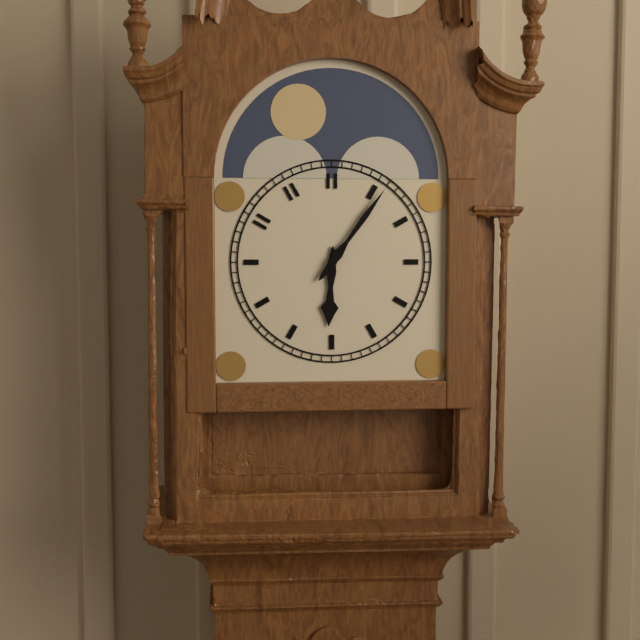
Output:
6 h 06 min
